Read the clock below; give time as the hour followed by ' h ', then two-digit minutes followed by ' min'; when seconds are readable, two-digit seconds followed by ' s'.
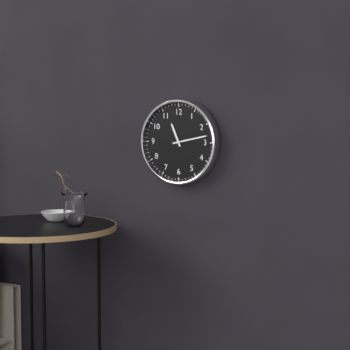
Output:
11 h 13 min
